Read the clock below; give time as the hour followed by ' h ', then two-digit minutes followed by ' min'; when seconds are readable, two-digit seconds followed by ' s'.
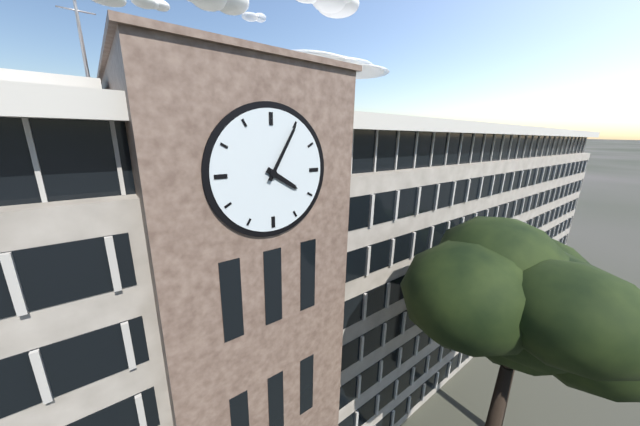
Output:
4 h 05 min
